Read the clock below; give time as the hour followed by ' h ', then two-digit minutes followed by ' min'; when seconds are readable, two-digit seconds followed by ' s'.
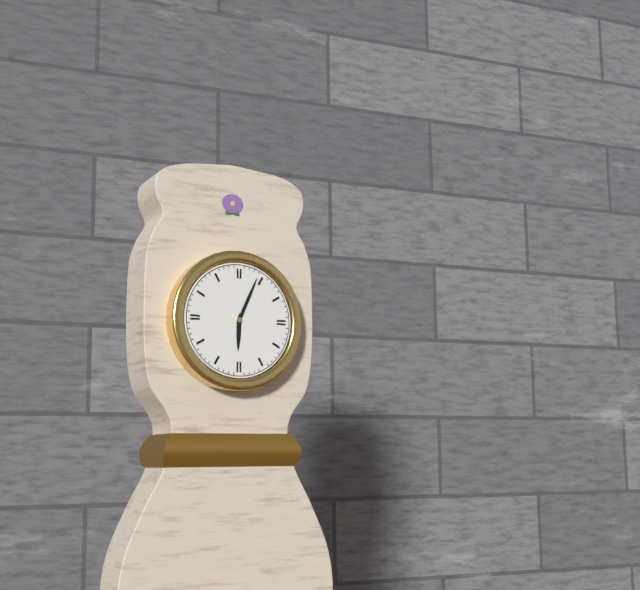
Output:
6 h 04 min
